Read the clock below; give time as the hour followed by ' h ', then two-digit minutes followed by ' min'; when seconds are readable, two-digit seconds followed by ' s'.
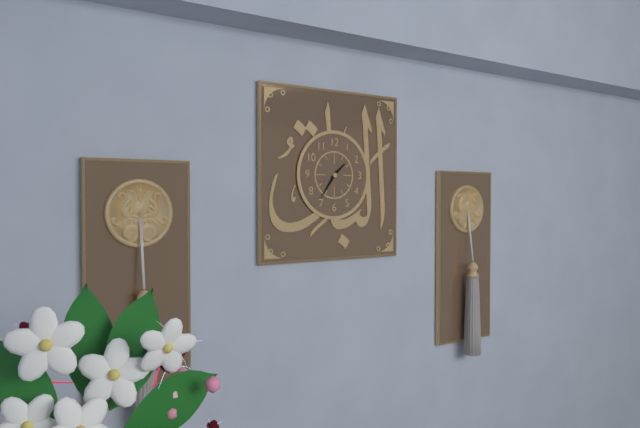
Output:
1 h 36 min
